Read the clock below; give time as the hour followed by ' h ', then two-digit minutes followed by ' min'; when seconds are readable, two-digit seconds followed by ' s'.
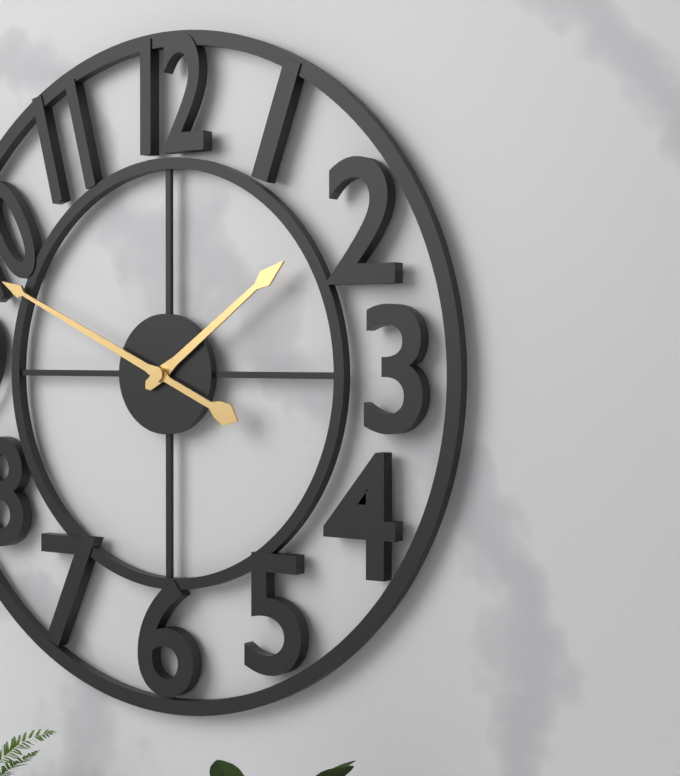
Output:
1 h 49 min
